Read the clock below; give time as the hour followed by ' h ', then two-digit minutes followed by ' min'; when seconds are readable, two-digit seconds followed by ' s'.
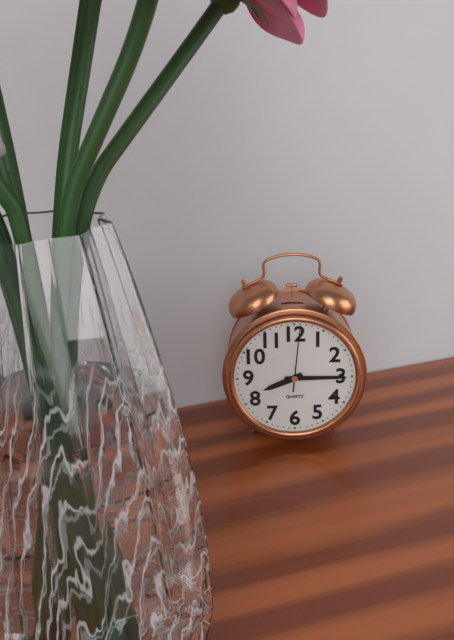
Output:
8 h 15 min 01 s
